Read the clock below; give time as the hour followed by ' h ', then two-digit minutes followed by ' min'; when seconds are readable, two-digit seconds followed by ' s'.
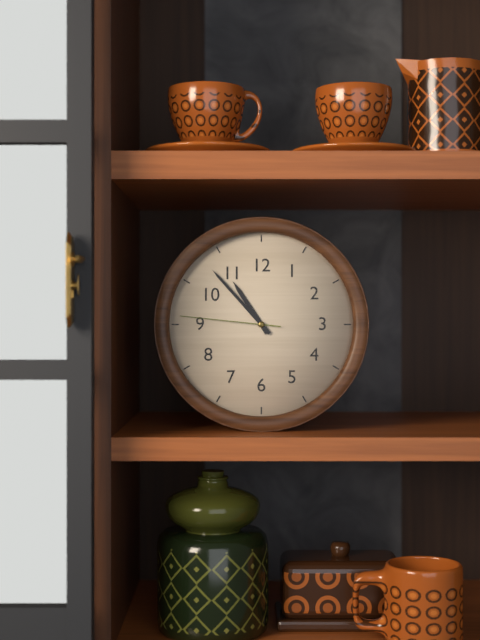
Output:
10 h 53 min 46 s
